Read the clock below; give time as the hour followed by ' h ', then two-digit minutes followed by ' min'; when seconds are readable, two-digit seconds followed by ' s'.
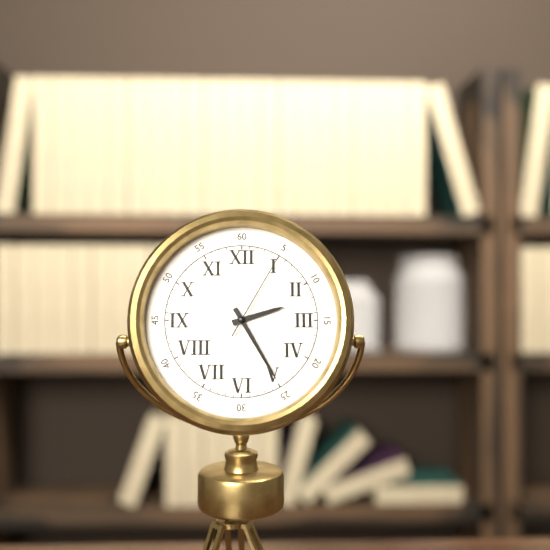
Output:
2 h 25 min 05 s
